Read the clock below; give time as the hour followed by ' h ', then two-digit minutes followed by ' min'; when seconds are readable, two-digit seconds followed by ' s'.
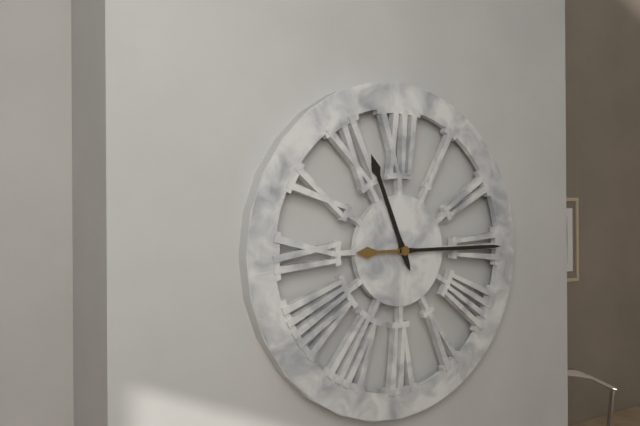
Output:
11 h 15 min
